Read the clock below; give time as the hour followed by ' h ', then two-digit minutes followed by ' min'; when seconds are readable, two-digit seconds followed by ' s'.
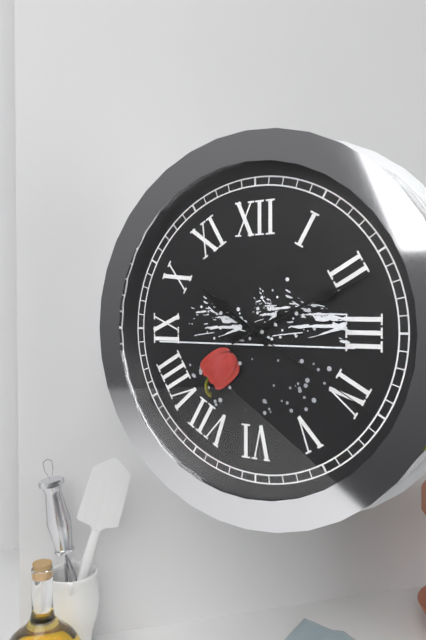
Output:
10 h 11 min 20 s
